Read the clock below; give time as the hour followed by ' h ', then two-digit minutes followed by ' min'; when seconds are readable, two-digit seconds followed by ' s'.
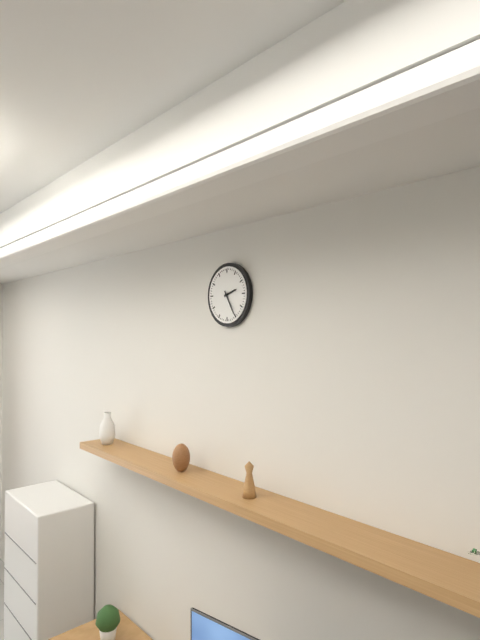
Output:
2 h 25 min
